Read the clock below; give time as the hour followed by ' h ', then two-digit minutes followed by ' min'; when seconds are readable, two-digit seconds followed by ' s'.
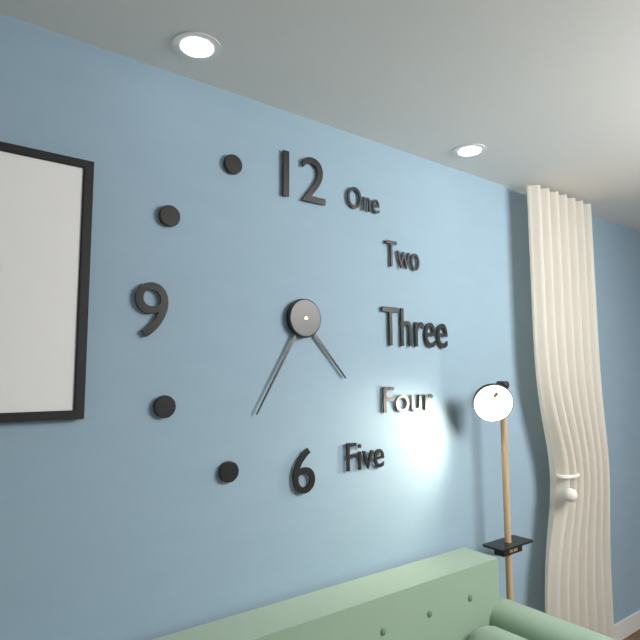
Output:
4 h 35 min
